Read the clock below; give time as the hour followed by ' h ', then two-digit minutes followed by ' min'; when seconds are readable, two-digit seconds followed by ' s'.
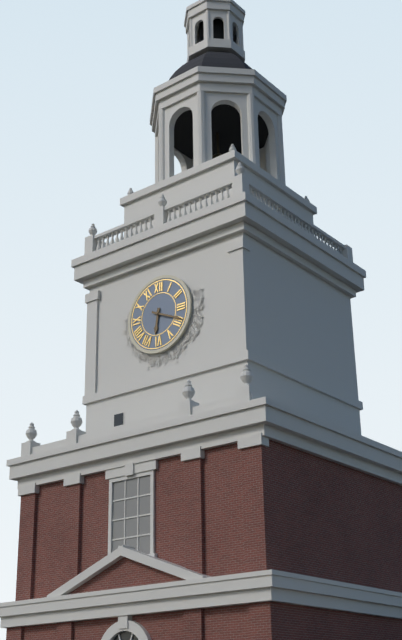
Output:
6 h 19 min
